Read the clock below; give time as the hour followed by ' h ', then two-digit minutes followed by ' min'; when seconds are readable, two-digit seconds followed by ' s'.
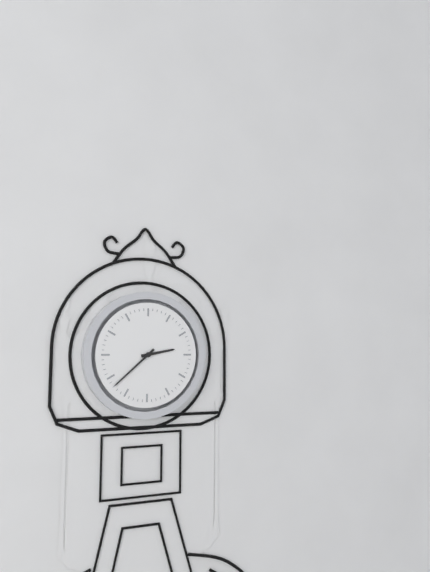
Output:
2 h 38 min
